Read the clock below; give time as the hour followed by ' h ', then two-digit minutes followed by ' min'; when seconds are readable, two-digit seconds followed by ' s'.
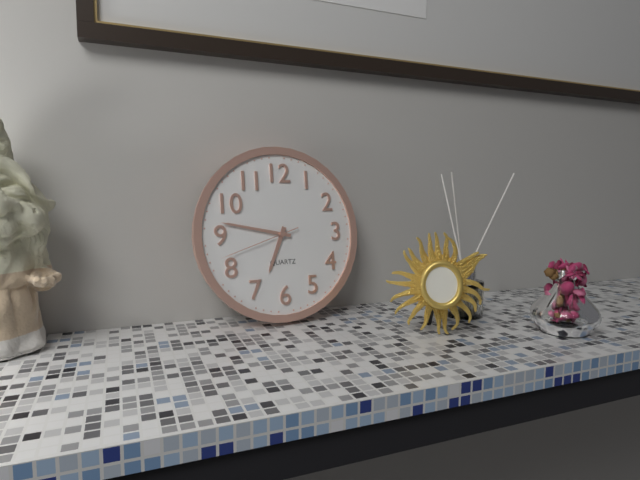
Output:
6 h 47 min 42 s
